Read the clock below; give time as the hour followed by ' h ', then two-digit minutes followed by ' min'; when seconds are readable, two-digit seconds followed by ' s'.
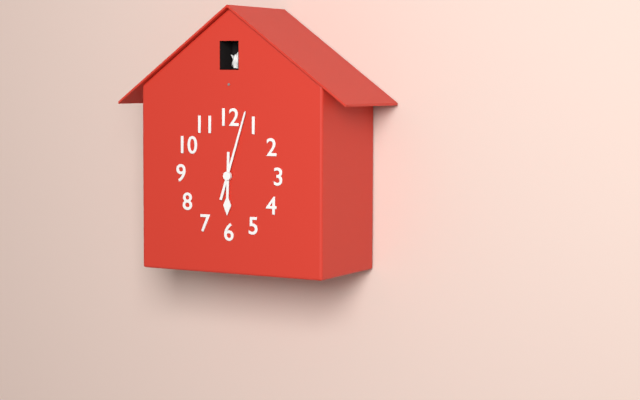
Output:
6 h 03 min
